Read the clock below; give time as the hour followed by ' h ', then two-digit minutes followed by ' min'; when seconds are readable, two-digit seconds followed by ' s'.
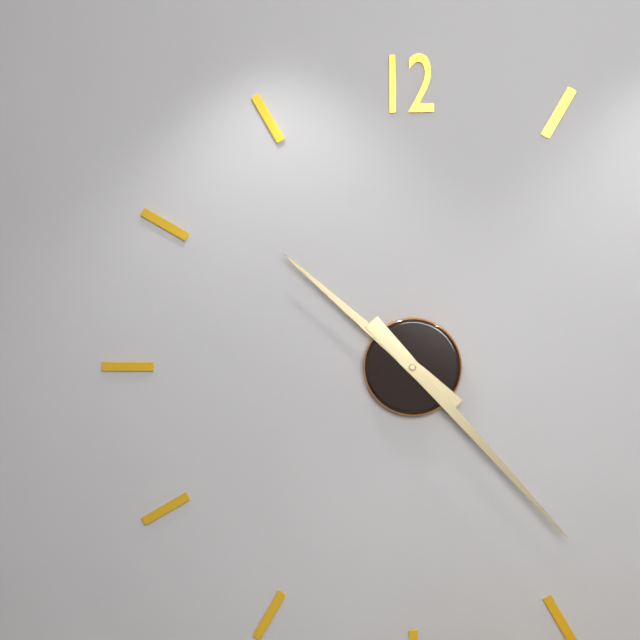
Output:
10 h 23 min
